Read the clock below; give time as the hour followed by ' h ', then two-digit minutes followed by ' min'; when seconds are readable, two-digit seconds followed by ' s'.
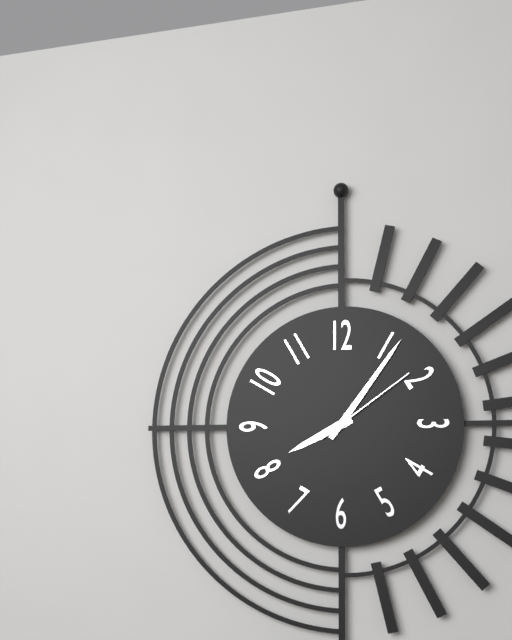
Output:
8 h 06 min 09 s
